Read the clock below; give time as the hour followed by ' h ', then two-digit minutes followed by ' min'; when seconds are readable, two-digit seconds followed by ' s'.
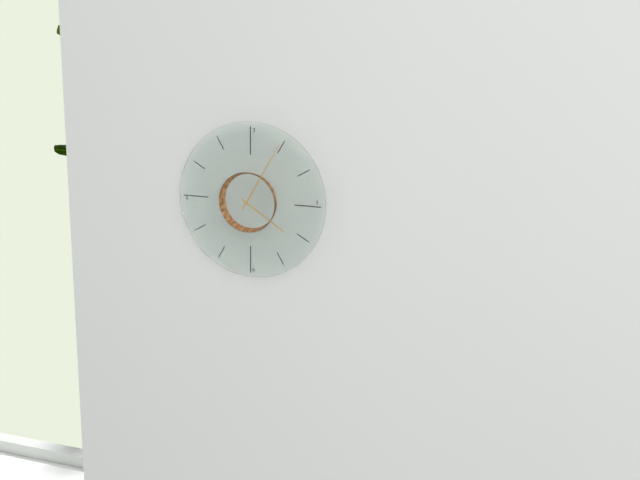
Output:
4 h 05 min
